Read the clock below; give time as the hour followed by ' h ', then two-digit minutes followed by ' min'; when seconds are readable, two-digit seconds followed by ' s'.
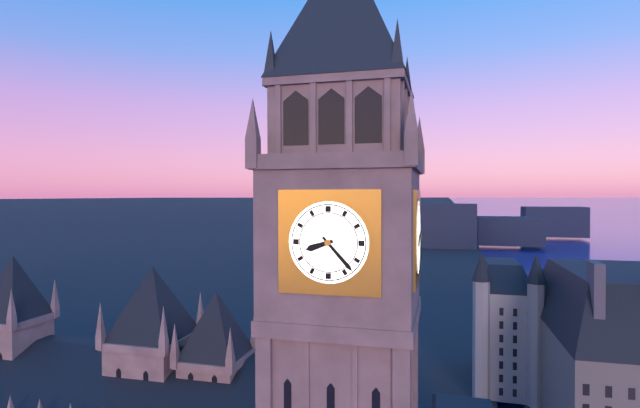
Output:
8 h 23 min
